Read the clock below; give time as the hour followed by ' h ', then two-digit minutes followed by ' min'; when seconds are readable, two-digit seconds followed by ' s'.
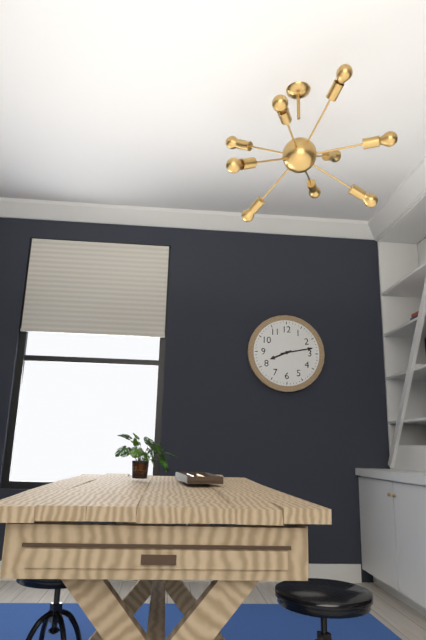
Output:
8 h 13 min
